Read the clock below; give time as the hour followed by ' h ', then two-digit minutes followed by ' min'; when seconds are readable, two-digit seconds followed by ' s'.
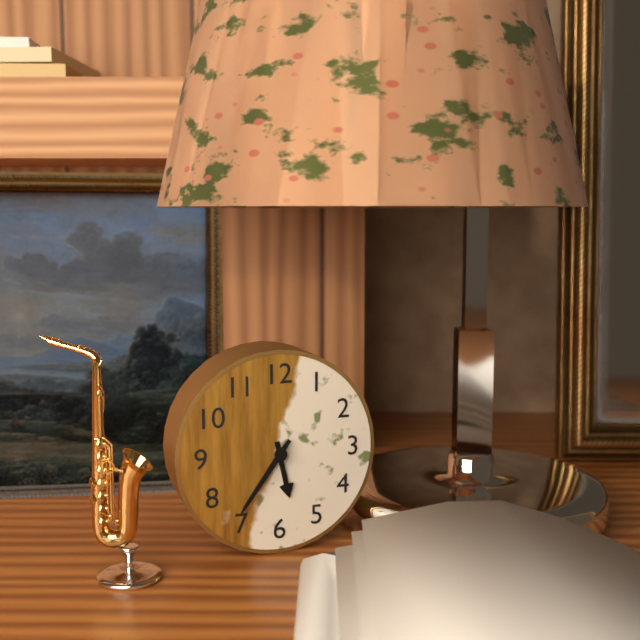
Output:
5 h 36 min
